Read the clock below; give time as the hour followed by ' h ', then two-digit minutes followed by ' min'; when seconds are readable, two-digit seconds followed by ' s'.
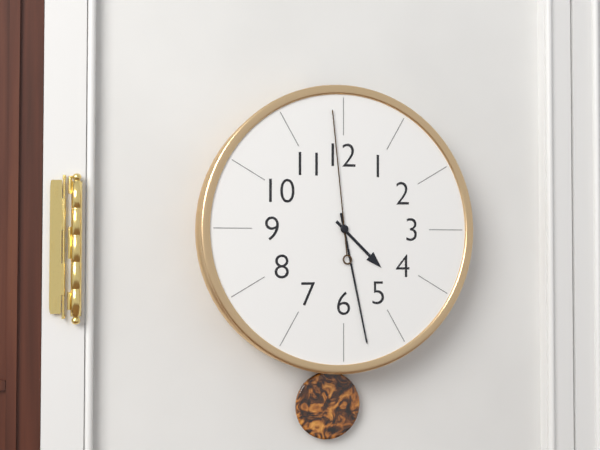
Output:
4 h 28 min 59 s
